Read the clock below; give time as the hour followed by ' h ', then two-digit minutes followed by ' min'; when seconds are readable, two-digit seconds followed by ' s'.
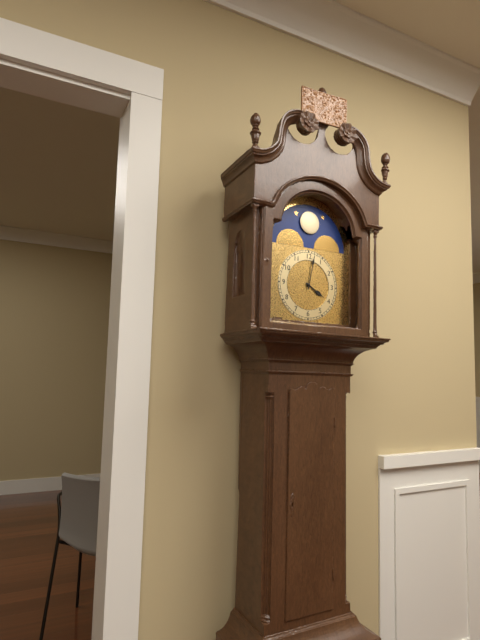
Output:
4 h 02 min
